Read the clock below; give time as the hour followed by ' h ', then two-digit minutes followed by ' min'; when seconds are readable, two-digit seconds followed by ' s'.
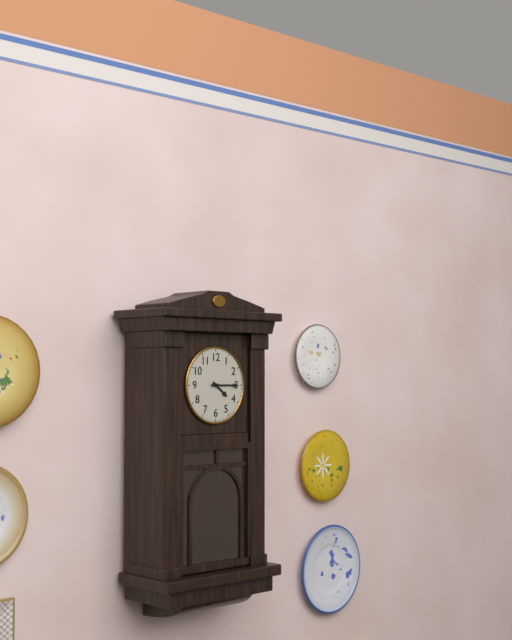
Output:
4 h 15 min
